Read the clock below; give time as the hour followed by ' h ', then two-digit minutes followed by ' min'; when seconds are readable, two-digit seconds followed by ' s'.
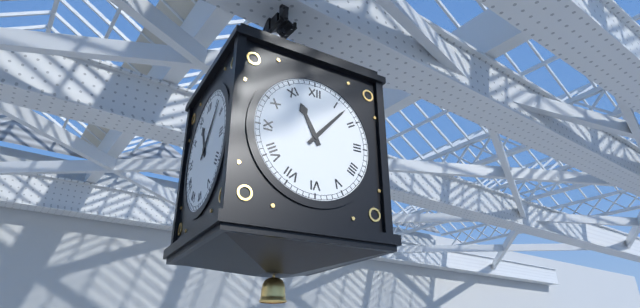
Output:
11 h 07 min
